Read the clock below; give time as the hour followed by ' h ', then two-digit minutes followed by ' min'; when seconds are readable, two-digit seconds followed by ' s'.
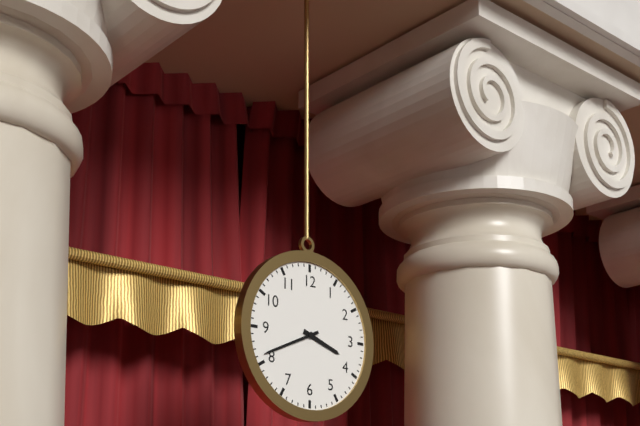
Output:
3 h 41 min
